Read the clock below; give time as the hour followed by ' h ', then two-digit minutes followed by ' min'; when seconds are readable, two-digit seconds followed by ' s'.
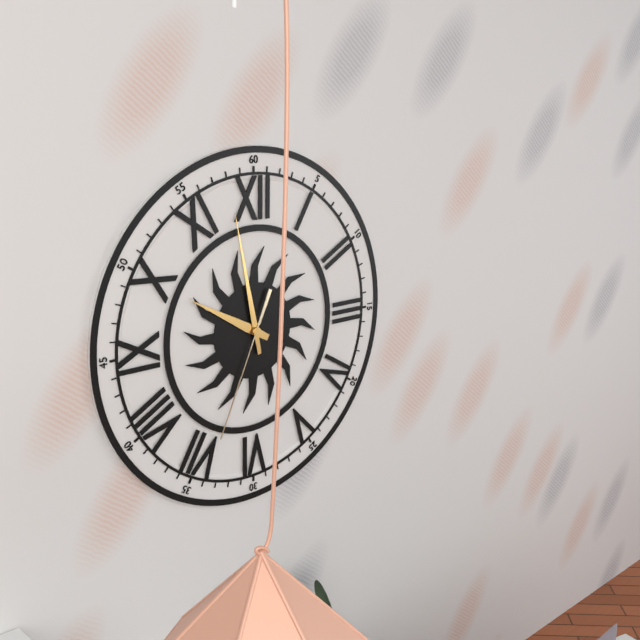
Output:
9 h 58 min 34 s
